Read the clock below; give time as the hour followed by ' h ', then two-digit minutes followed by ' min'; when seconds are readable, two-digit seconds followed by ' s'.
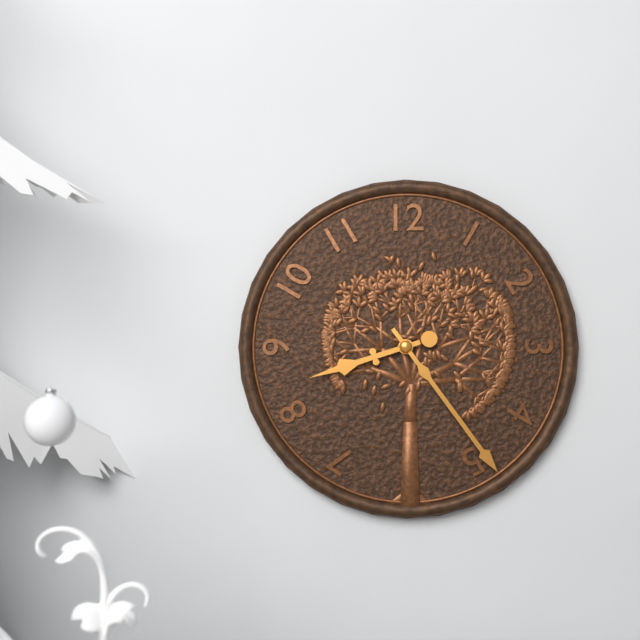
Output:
8 h 24 min
